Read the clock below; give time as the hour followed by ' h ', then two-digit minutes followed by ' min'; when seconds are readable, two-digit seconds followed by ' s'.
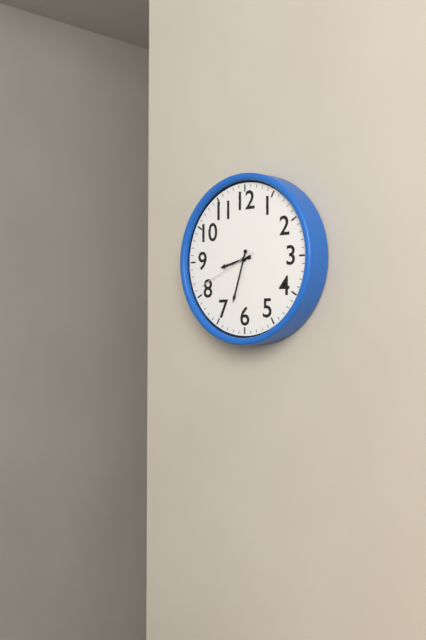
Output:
8 h 33 min 41 s
